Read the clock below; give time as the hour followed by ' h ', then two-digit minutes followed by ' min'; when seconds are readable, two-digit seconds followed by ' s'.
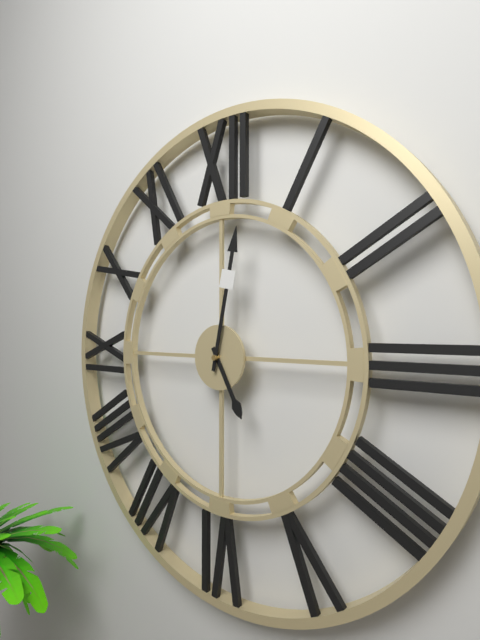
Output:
5 h 02 min
